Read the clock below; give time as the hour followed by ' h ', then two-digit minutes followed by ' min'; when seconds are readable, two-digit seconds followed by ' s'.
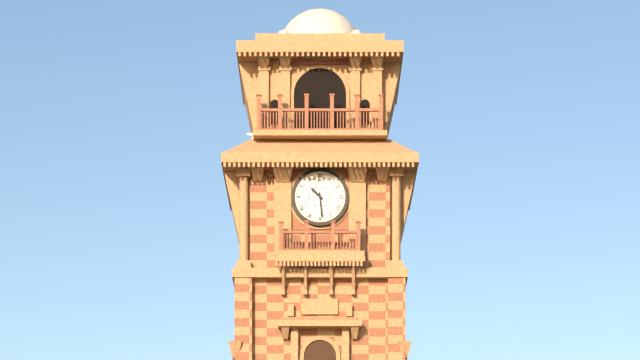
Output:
10 h 29 min
